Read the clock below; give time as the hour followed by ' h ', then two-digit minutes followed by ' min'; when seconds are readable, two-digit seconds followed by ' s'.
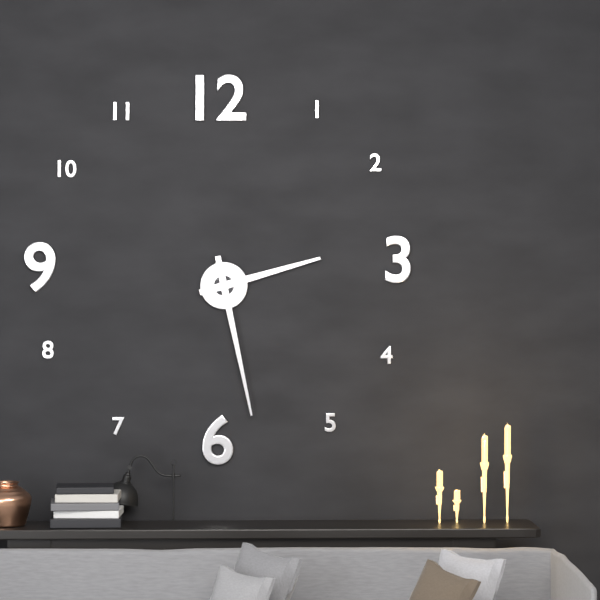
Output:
2 h 28 min
